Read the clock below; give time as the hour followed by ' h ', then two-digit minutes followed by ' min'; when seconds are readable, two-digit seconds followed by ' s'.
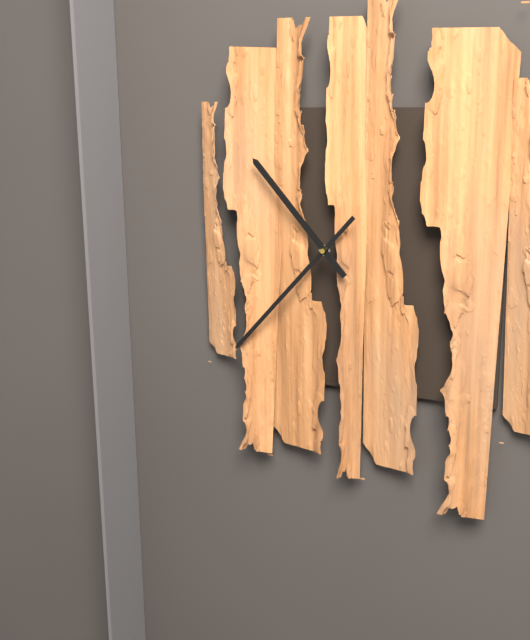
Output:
10 h 37 min
